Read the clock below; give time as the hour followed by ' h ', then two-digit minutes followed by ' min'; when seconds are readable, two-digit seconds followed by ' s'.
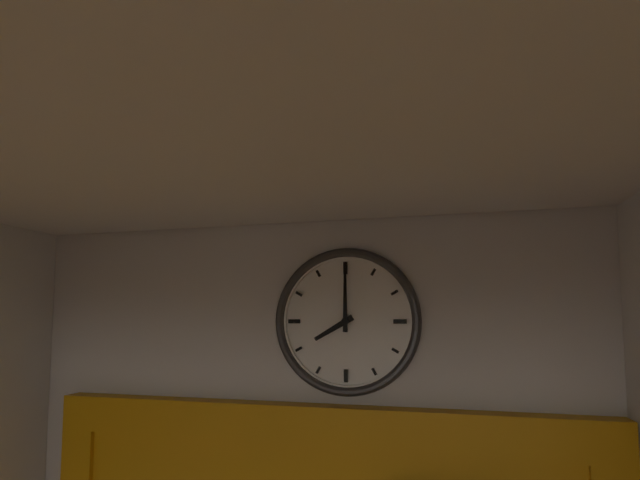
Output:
8 h 00 min
